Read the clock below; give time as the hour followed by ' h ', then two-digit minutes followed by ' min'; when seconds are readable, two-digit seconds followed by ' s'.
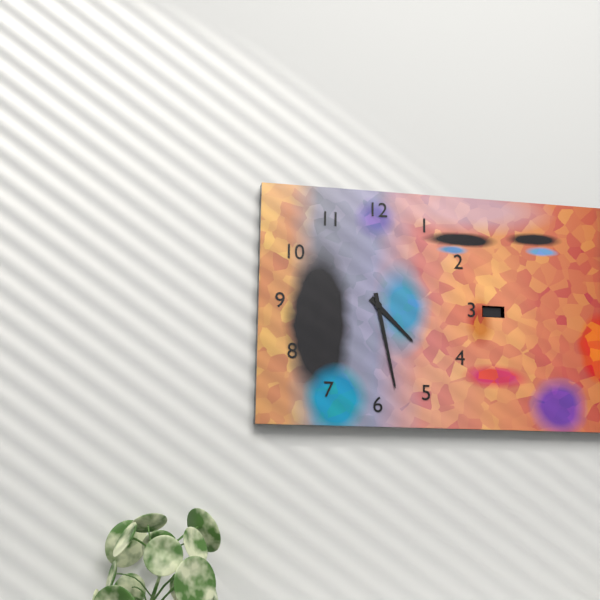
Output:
4 h 28 min
